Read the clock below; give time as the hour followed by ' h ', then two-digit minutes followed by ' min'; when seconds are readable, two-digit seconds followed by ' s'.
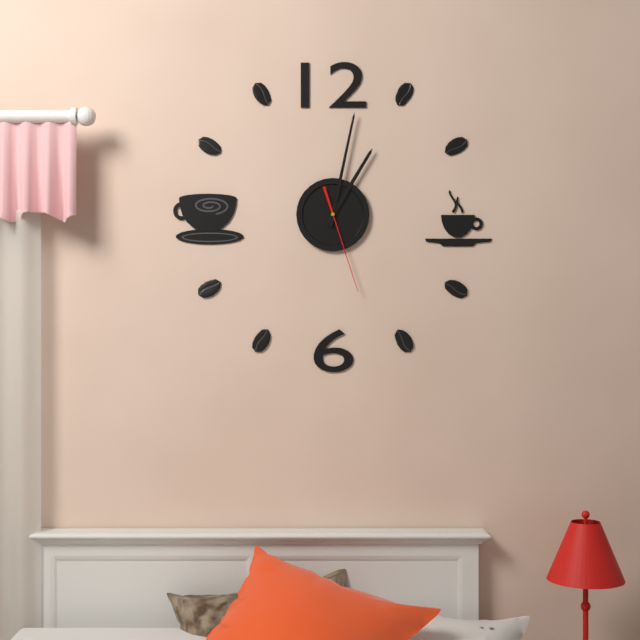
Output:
1 h 02 min 27 s
